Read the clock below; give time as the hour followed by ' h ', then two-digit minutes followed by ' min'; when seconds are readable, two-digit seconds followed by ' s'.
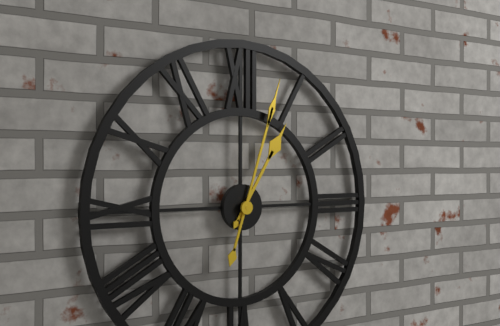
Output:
1 h 03 min
